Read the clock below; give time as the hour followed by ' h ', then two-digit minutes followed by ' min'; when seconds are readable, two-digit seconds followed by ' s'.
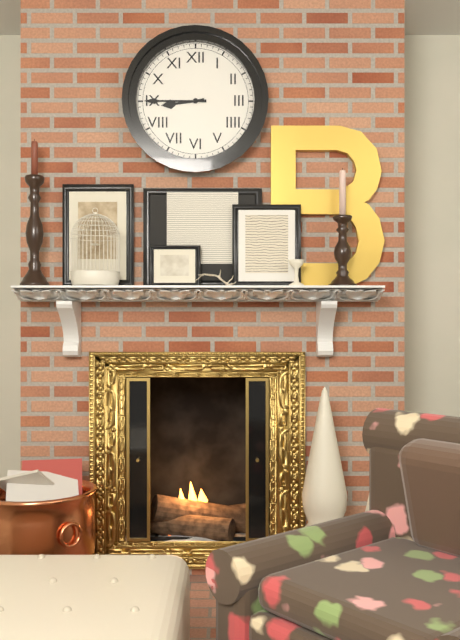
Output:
8 h 45 min
